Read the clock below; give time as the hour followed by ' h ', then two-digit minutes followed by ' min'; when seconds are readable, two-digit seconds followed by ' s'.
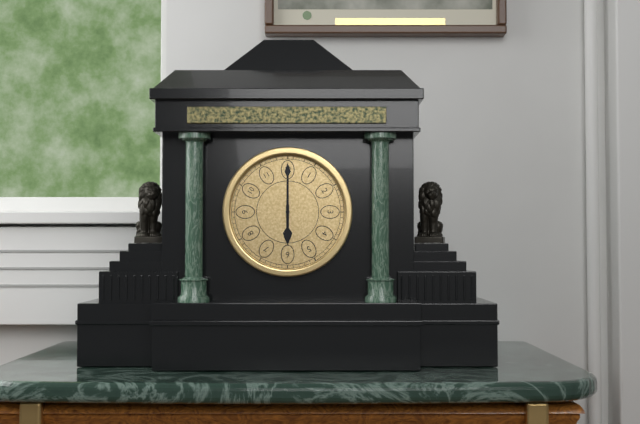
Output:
6 h 00 min
